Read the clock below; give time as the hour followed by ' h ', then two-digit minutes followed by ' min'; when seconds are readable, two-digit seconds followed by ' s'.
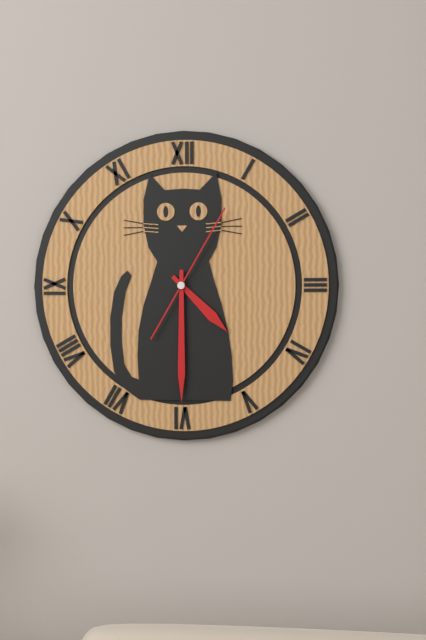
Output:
4 h 30 min 05 s
